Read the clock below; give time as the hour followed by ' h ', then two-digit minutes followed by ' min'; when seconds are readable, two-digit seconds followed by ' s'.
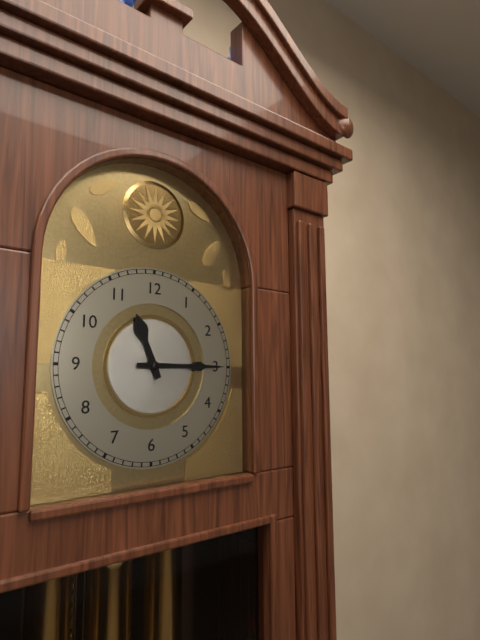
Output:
11 h 15 min
